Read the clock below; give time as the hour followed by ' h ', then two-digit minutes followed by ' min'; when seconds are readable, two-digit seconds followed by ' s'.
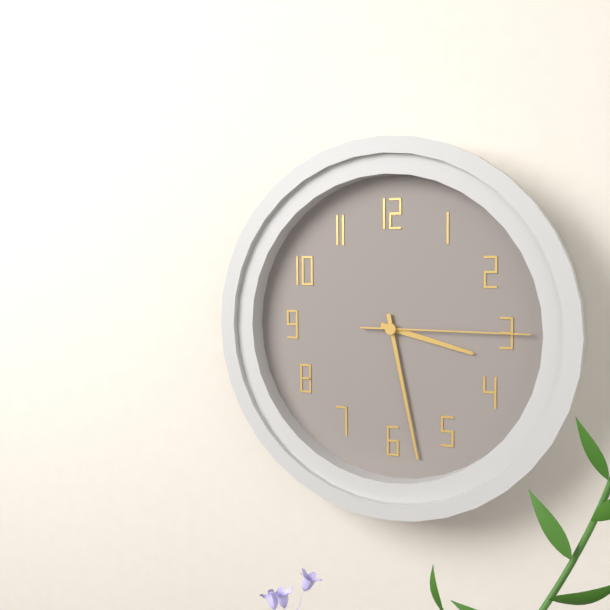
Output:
3 h 28 min 15 s
